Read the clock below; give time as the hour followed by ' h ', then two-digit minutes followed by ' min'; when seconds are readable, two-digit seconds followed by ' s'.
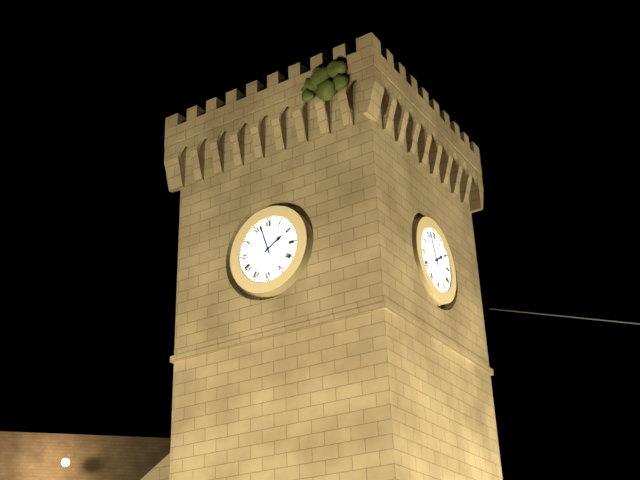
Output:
1 h 57 min
